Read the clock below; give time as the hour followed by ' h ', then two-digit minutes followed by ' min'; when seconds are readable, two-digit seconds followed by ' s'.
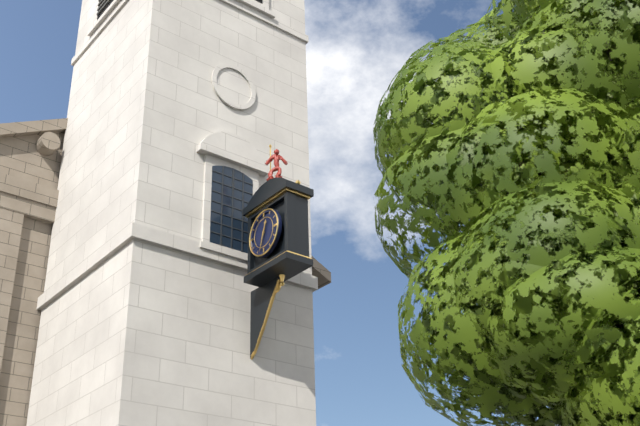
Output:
12 h 33 min
